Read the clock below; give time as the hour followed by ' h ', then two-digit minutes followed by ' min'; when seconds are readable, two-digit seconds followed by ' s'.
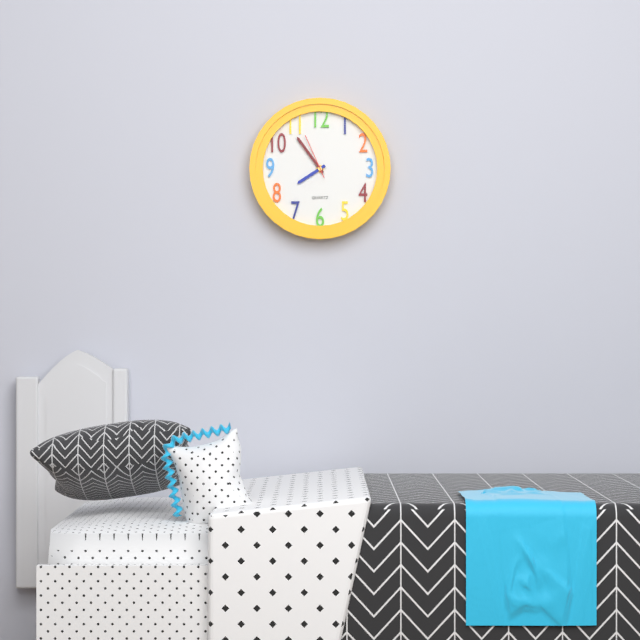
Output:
7 h 54 min
